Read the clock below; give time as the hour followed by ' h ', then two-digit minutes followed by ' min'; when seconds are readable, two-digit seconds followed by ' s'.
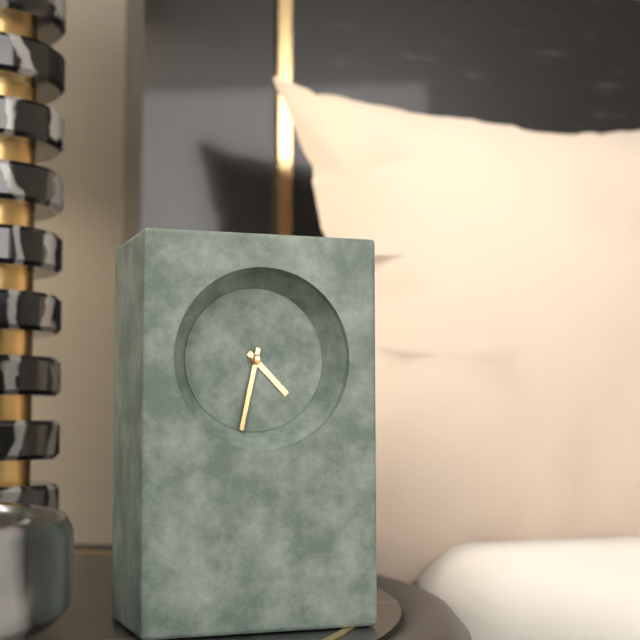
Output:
4 h 32 min
